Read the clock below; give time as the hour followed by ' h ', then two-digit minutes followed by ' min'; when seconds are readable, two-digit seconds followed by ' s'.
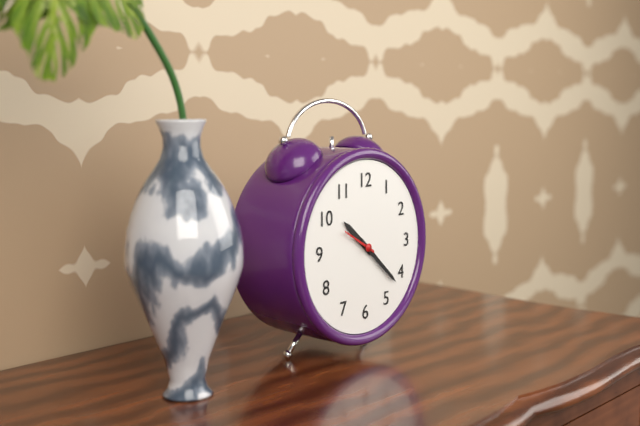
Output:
10 h 22 min
